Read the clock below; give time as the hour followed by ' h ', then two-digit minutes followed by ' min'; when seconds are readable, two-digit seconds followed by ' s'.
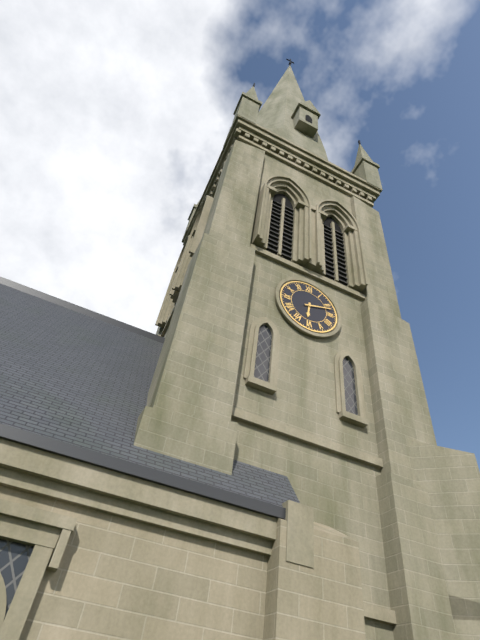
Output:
6 h 12 min
